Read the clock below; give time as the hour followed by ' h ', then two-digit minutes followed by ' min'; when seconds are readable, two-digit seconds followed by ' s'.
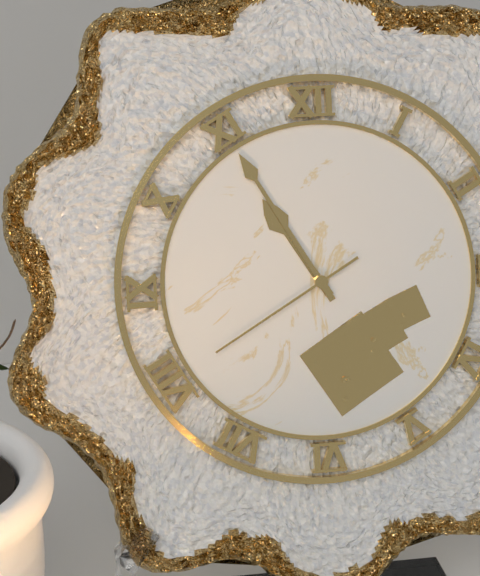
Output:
10 h 55 min 40 s
